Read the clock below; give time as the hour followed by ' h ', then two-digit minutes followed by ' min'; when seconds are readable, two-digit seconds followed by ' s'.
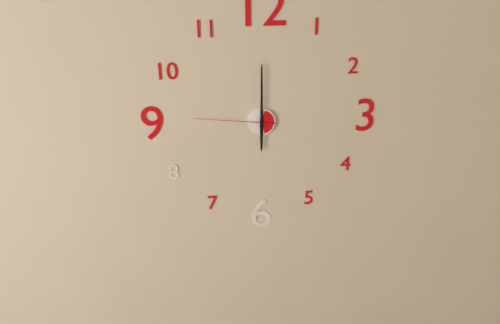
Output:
6 h 00 min 46 s
